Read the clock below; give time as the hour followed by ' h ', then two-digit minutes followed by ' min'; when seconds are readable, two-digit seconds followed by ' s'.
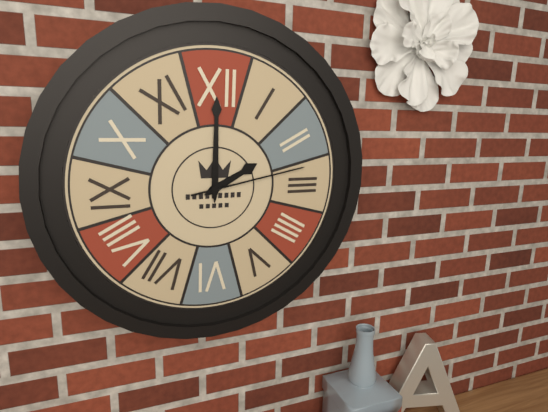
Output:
2 h 00 min 13 s
